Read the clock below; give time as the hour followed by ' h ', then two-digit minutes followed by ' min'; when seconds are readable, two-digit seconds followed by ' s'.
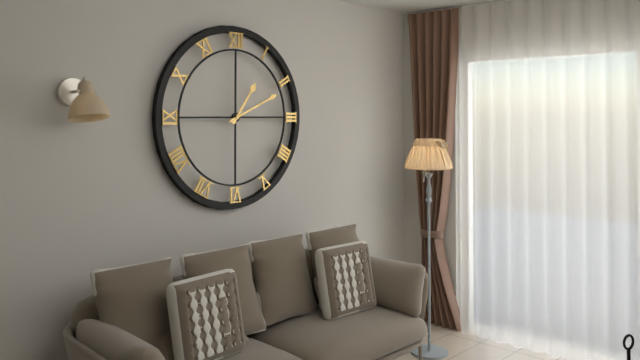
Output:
1 h 11 min
